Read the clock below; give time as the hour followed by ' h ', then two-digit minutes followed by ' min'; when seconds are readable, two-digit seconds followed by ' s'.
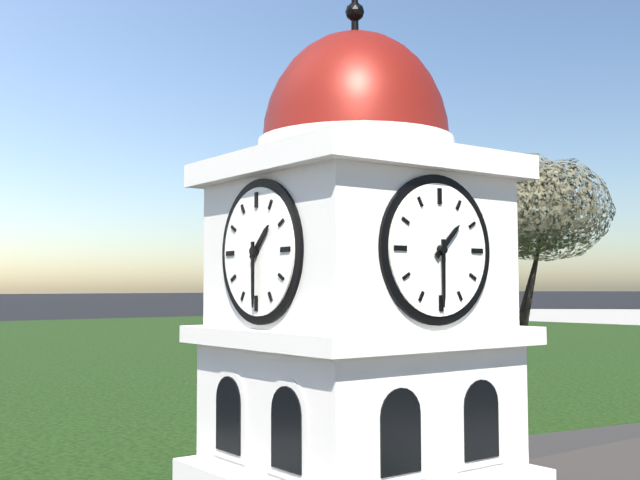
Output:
1 h 30 min
